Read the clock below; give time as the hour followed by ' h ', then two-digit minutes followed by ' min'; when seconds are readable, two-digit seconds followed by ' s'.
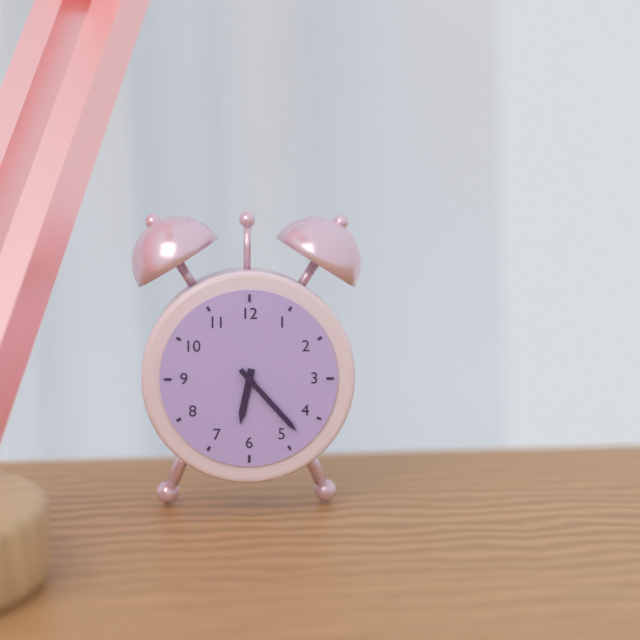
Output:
6 h 23 min
